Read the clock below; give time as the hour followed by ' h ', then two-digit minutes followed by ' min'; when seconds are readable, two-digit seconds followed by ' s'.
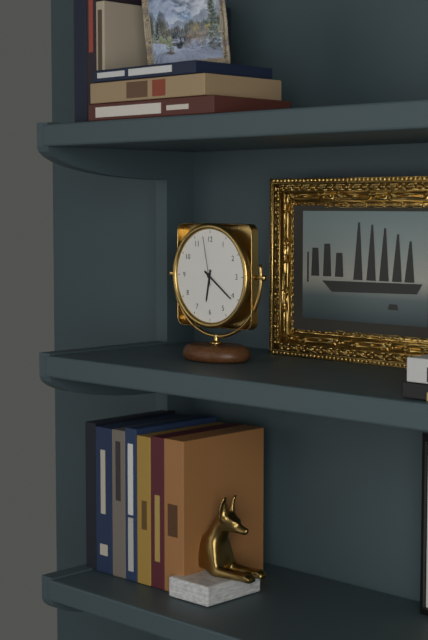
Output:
6 h 21 min 58 s
